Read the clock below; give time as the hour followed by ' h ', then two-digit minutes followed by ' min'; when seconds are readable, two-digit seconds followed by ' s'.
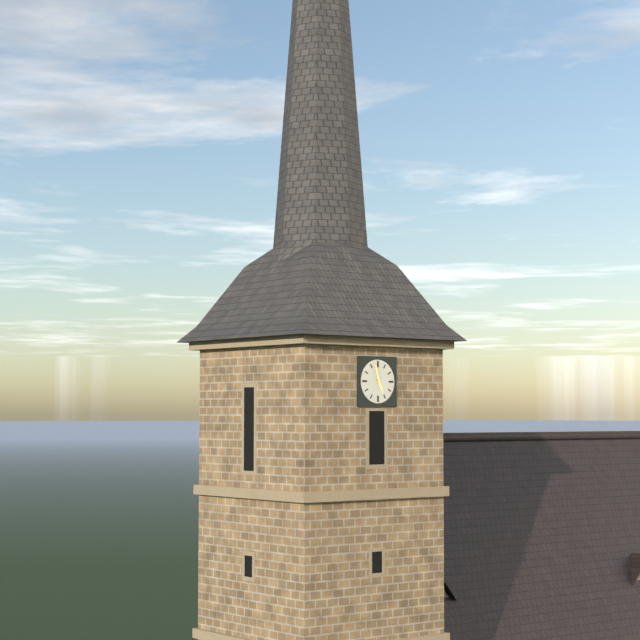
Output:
4 h 58 min
